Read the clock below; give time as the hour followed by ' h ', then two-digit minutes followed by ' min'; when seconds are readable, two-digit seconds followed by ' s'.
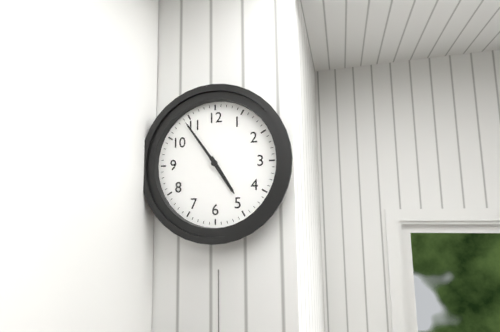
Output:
4 h 54 min
